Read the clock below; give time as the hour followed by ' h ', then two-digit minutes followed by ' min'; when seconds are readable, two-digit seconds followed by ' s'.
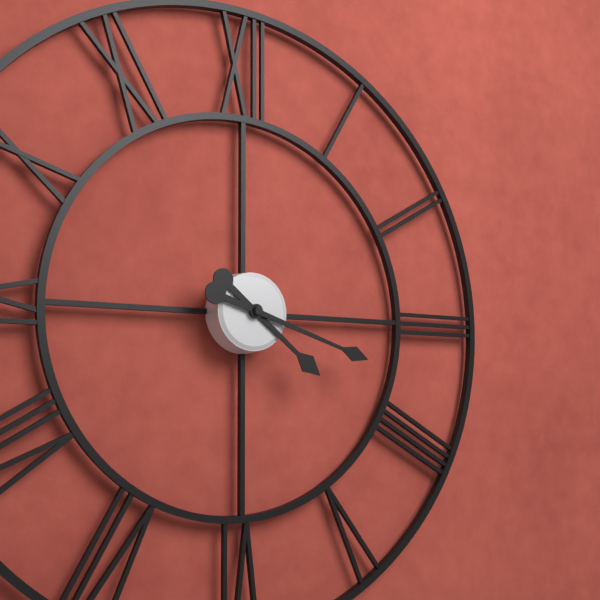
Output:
4 h 18 min
